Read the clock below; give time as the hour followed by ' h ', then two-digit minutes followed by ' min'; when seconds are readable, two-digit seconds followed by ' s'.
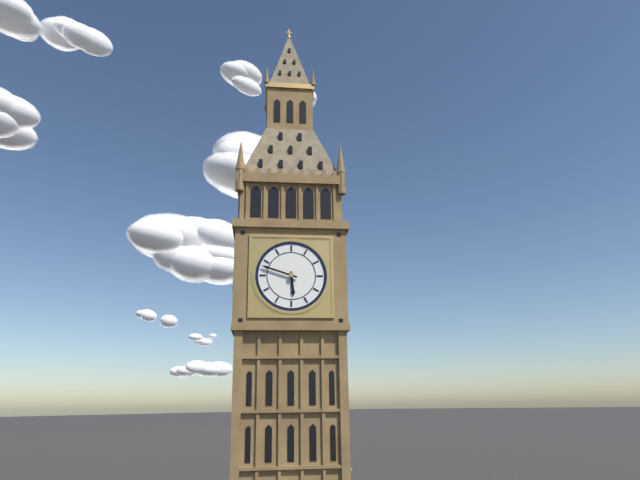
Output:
5 h 48 min
